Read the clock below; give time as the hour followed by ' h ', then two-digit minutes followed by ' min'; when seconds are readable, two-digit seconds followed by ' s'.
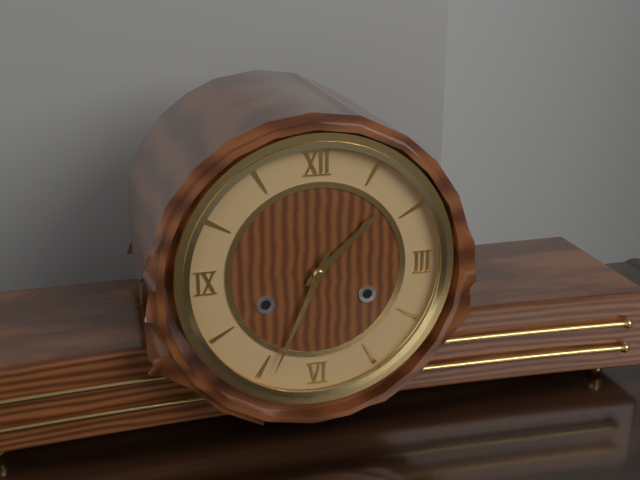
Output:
1 h 34 min
